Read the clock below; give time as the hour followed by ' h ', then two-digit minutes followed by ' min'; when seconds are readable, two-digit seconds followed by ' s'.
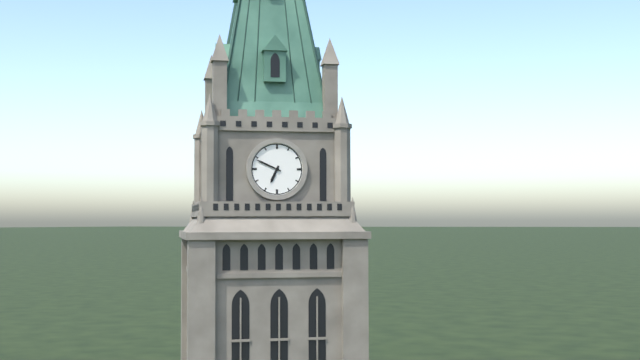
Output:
6 h 49 min
